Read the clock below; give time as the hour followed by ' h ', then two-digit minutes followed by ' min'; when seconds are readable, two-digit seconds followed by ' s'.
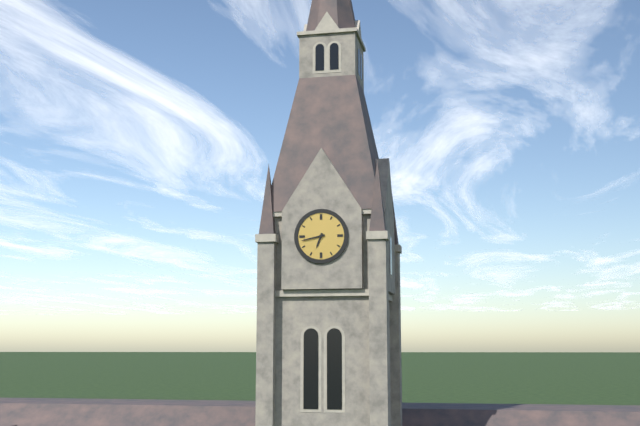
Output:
6 h 43 min
